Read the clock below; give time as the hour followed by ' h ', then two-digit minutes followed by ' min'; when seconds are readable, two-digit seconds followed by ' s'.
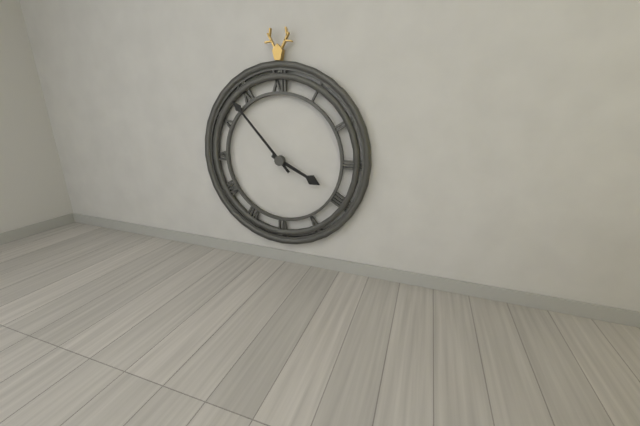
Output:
3 h 53 min
